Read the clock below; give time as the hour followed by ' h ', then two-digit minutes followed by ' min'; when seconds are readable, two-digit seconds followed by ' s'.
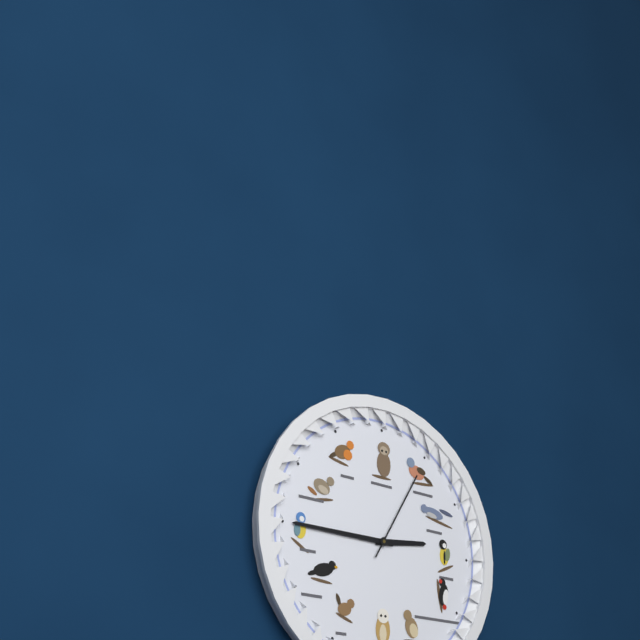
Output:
2 h 45 min 05 s
